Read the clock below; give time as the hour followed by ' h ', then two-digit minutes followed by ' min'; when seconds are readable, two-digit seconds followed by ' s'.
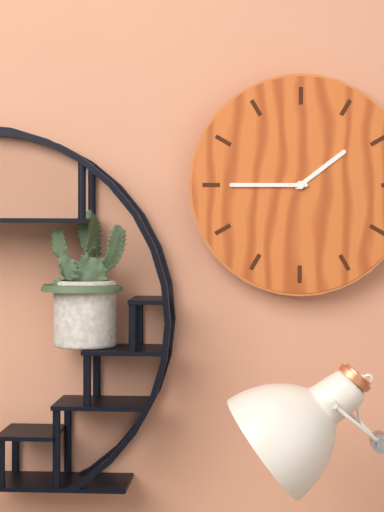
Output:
1 h 45 min
